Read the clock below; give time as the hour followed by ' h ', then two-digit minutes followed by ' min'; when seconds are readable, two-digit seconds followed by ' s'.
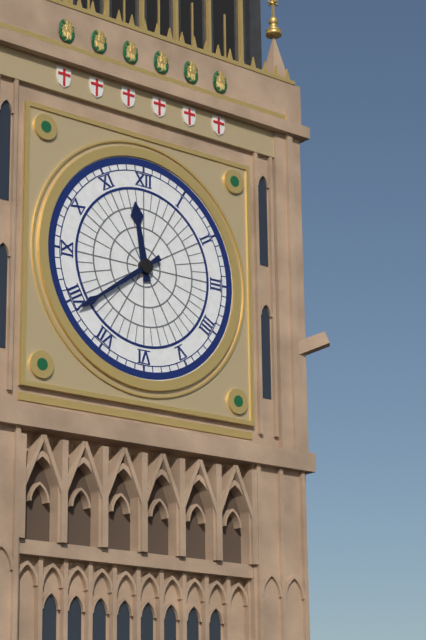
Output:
11 h 39 min
